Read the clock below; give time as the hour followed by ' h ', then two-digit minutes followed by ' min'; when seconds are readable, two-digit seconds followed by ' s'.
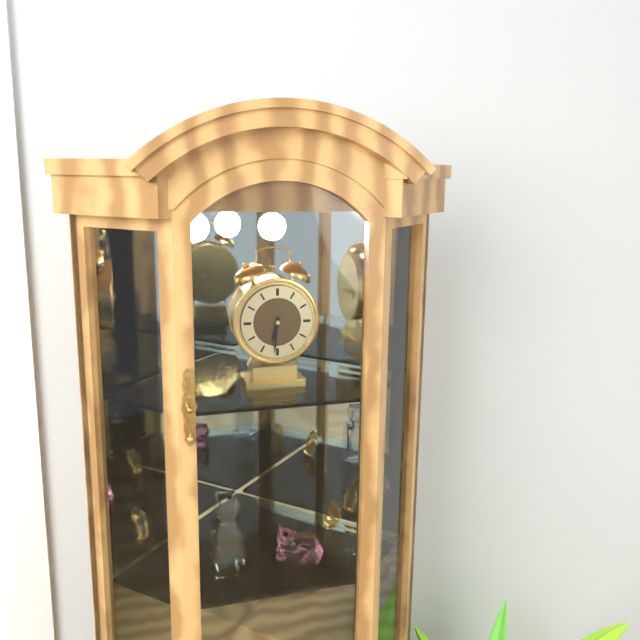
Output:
6 h 31 min
